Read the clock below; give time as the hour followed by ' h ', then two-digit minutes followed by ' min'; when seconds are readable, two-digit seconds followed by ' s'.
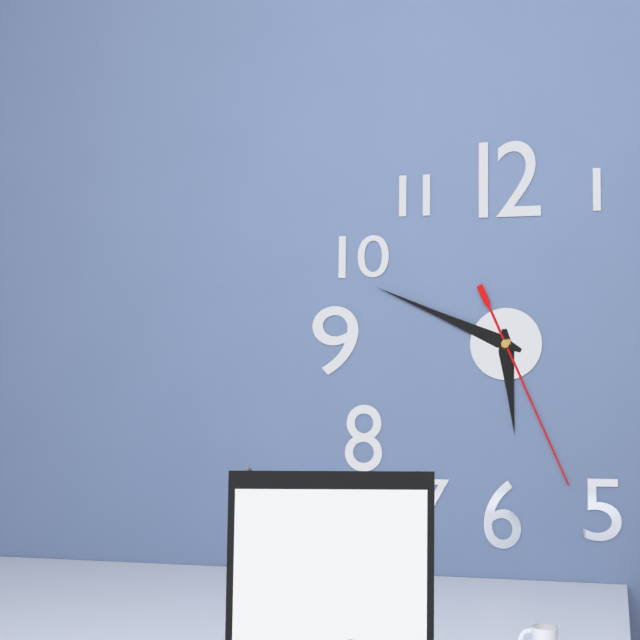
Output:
5 h 49 min 26 s
